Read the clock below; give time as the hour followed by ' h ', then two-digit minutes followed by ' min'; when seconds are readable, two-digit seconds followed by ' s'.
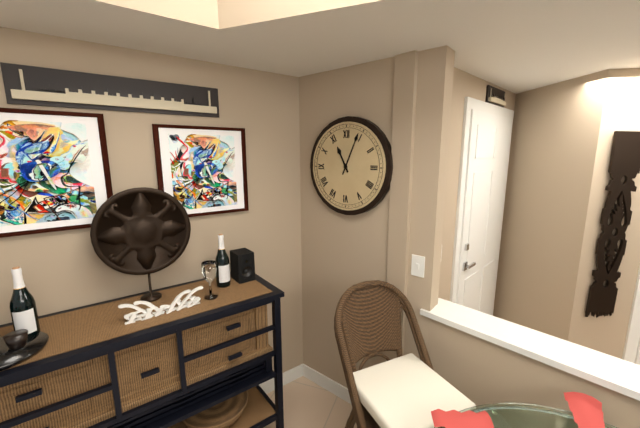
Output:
11 h 04 min
